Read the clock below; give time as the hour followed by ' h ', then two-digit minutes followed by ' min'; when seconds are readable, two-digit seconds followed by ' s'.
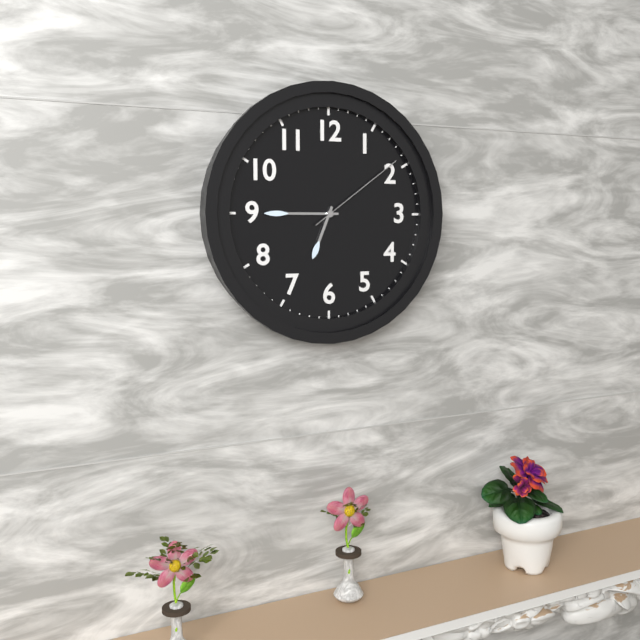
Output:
6 h 45 min 09 s
